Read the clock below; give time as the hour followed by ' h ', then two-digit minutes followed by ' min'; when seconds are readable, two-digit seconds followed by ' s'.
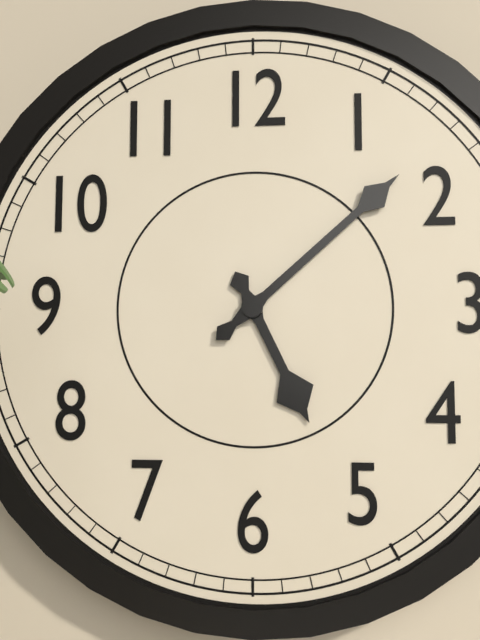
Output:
5 h 08 min
